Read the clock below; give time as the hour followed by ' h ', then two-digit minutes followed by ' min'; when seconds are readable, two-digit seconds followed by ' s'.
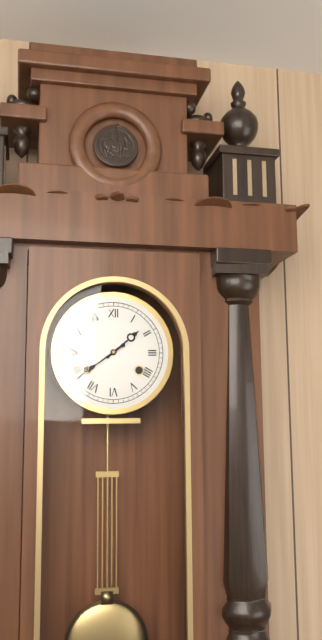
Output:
1 h 39 min
